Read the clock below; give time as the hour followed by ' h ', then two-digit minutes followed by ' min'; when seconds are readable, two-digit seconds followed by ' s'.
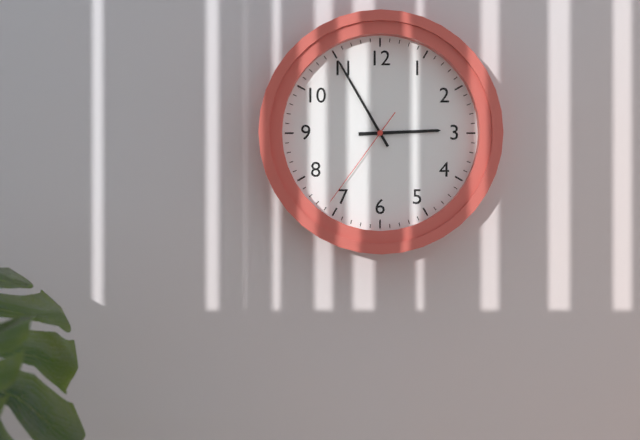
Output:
2 h 55 min 36 s
